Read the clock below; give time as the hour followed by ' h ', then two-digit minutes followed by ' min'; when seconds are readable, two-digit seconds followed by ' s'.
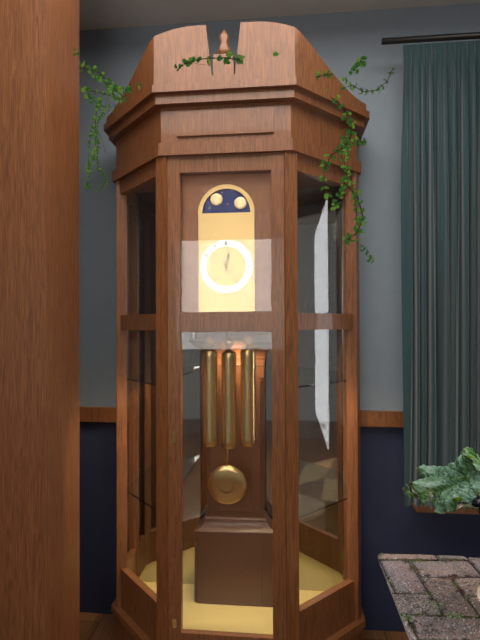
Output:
12 h 24 min
